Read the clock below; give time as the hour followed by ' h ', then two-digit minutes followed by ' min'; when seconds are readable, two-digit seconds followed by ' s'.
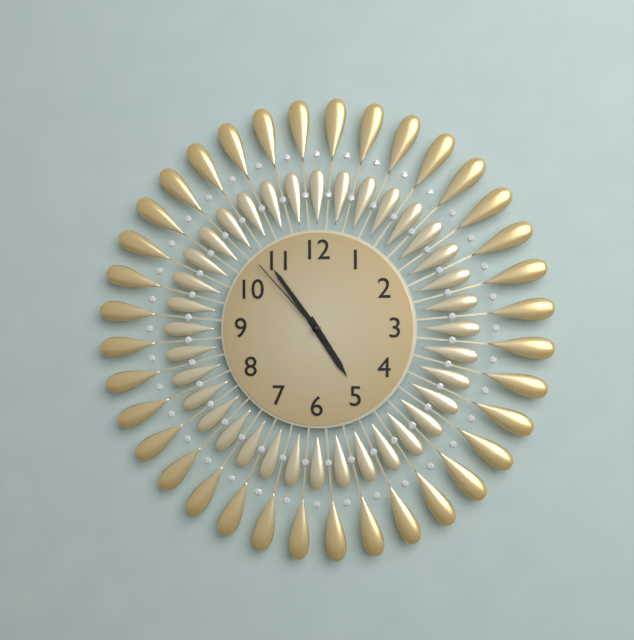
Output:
4 h 54 min 53 s
